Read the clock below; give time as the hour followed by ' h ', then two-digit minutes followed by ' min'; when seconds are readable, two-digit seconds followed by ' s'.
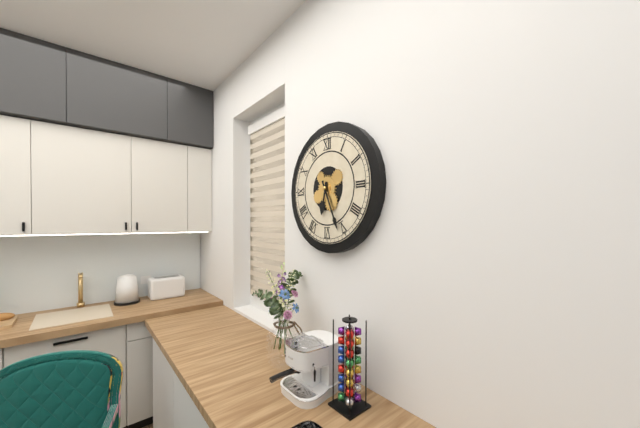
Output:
6 h 26 min
